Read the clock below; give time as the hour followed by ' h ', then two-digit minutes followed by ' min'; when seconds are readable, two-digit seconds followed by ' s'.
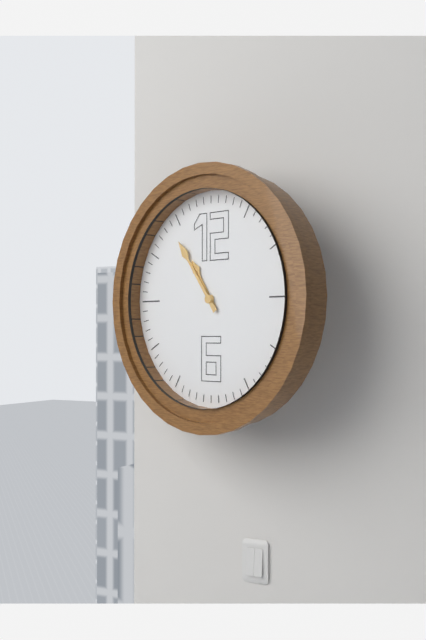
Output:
10 h 54 min
